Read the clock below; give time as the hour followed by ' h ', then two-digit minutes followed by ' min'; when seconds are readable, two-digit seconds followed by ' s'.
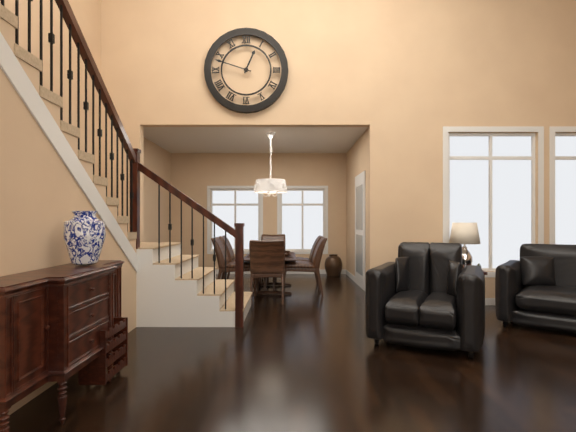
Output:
12 h 48 min
